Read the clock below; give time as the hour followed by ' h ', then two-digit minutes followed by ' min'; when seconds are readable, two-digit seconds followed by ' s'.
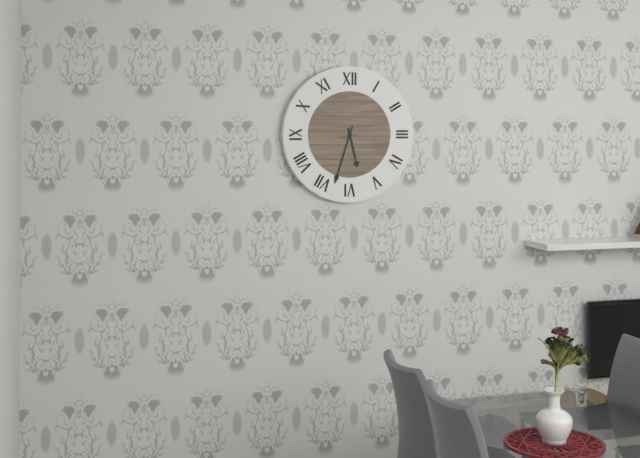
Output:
5 h 33 min
